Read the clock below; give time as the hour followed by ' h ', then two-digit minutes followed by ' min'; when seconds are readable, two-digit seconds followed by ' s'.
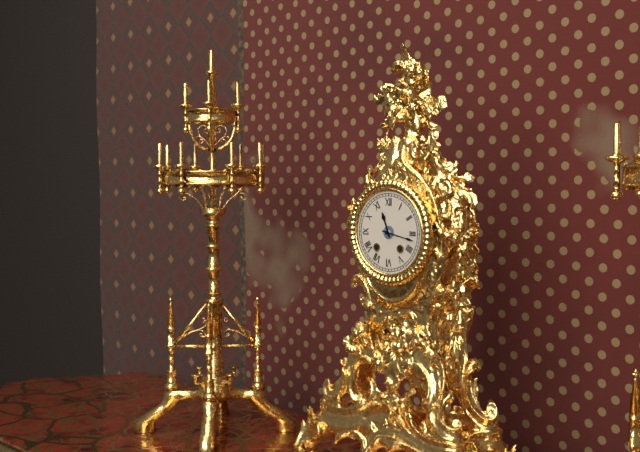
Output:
11 h 17 min
